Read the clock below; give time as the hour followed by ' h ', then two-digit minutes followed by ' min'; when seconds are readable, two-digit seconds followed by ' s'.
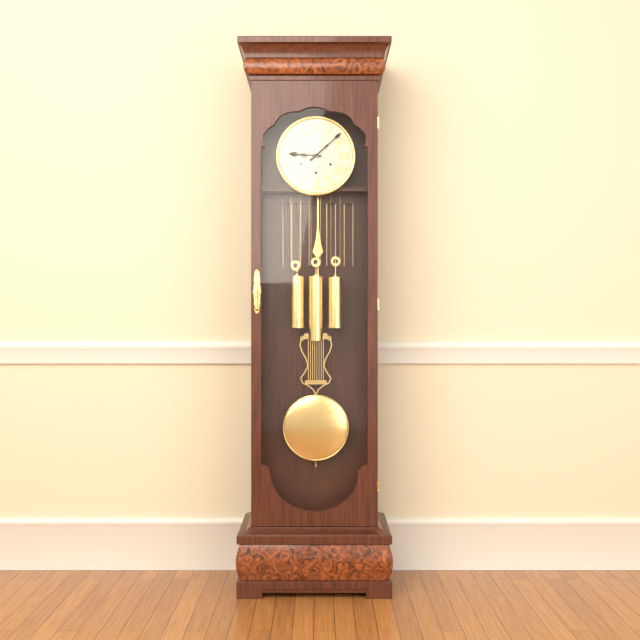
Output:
9 h 08 min
